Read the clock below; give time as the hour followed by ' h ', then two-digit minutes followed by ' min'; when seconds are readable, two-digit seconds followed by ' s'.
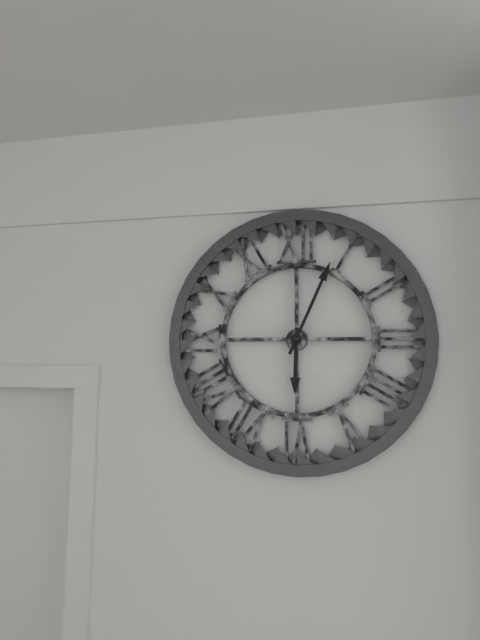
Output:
6 h 04 min
